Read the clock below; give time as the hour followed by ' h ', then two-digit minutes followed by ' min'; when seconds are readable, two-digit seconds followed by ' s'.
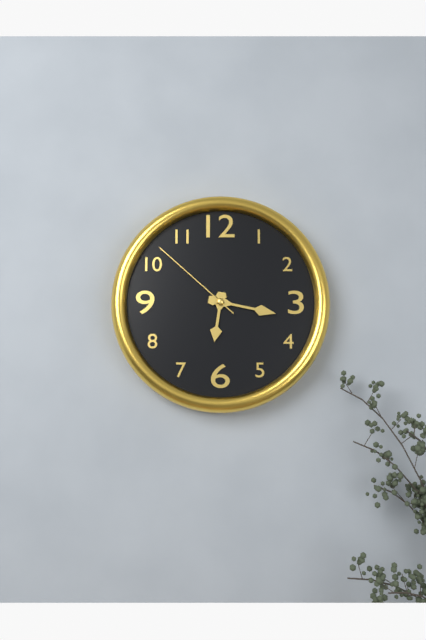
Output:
6 h 17 min 52 s
